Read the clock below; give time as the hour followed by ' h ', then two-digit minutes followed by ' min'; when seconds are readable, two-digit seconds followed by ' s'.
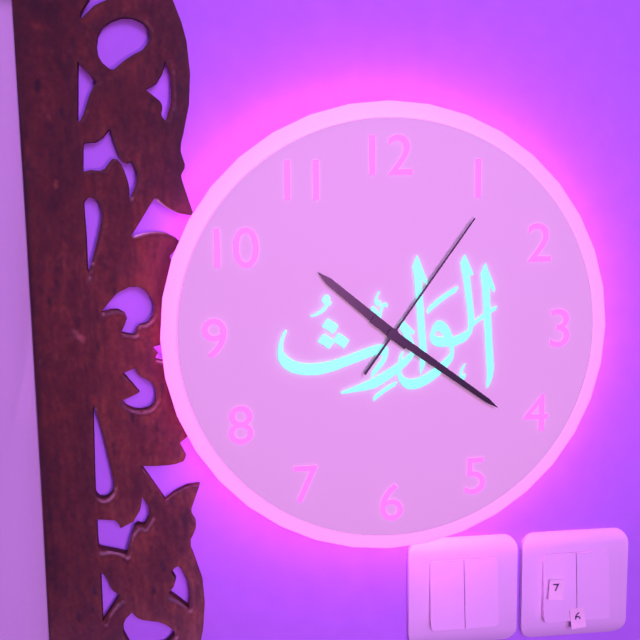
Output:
10 h 21 min 06 s
